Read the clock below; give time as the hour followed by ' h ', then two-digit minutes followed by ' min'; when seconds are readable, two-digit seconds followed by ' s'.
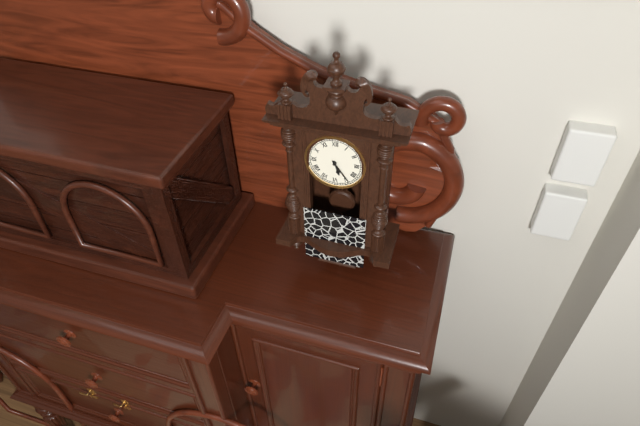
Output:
5 h 24 min
